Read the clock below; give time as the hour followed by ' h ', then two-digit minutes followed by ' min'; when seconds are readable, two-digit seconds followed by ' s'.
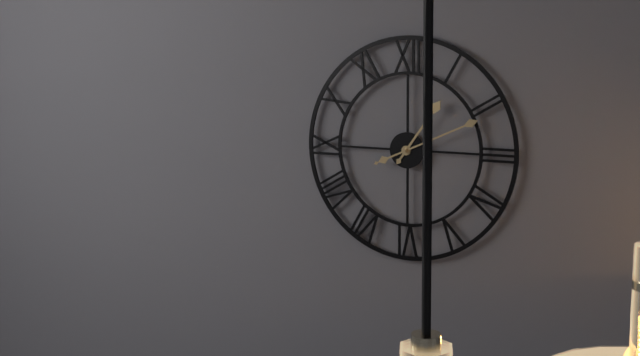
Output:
1 h 11 min
